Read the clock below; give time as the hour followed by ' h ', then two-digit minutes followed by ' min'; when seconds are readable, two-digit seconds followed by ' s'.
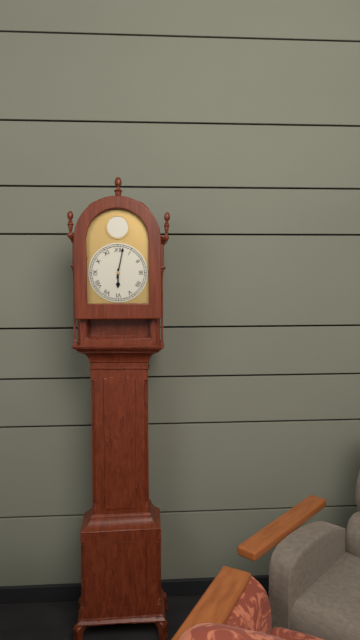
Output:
6 h 02 min
